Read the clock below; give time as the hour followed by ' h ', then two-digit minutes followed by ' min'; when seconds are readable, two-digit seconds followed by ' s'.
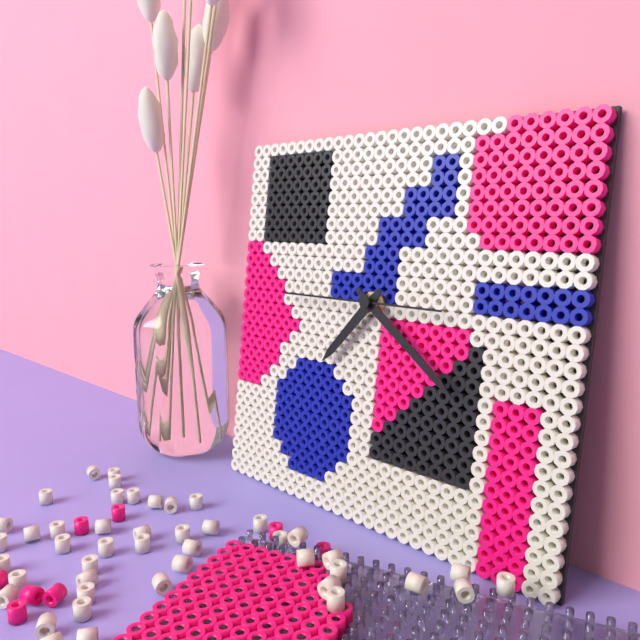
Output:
7 h 21 min 45 s
